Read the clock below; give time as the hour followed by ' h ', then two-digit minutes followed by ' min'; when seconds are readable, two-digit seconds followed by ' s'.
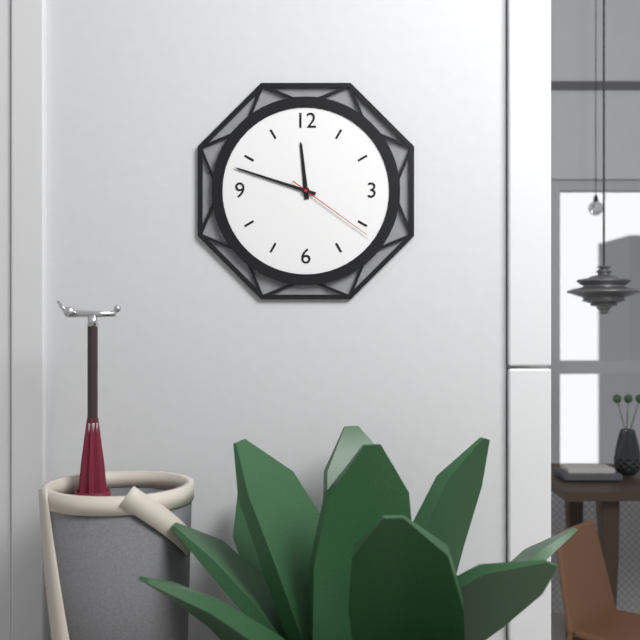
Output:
11 h 48 min 21 s
